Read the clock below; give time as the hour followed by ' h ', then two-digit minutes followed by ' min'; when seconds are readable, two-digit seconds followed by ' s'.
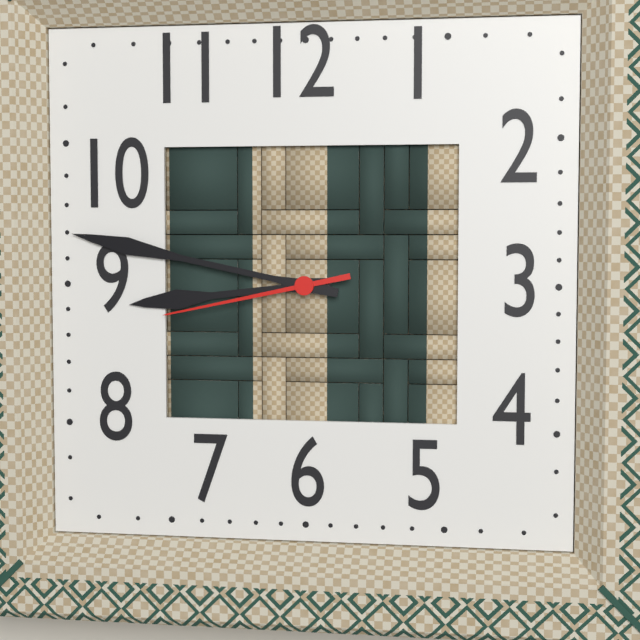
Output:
8 h 47 min 43 s
